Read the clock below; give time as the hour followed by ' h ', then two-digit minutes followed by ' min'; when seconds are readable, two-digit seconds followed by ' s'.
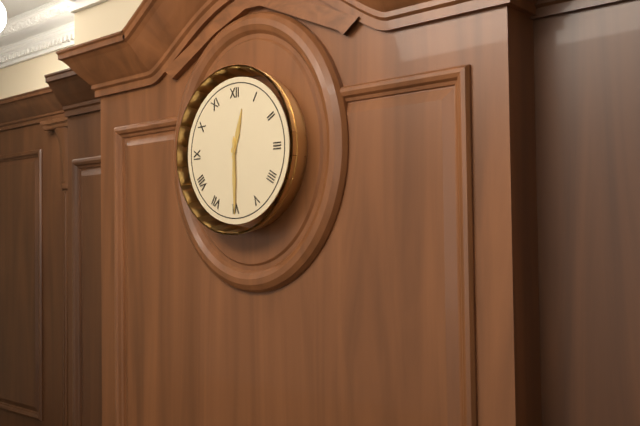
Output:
12 h 30 min
